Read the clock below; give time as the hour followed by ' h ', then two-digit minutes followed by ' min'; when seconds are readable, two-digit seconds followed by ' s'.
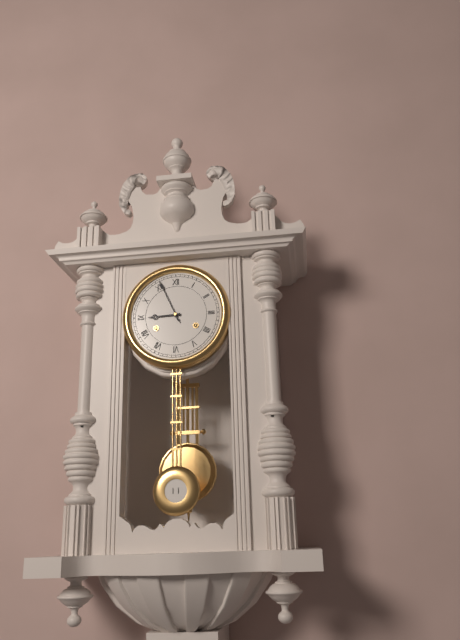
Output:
8 h 56 min
